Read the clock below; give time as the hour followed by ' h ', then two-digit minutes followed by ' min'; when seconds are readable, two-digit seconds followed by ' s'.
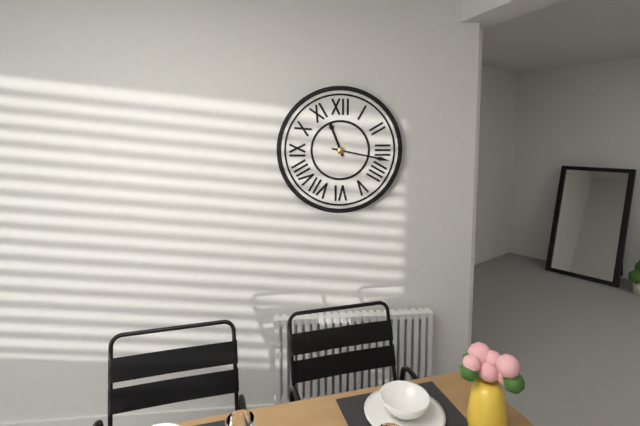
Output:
11 h 17 min
